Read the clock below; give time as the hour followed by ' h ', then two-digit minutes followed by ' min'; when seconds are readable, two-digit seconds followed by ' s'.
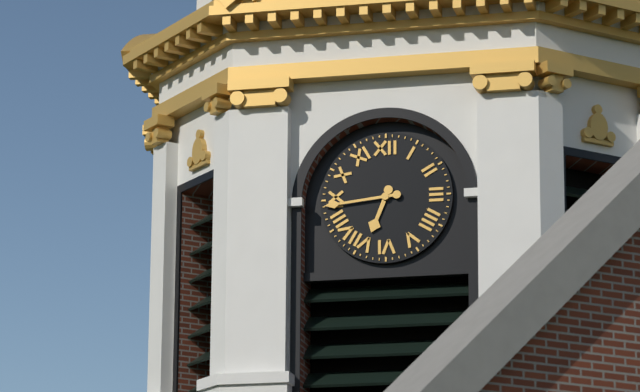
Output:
6 h 44 min
